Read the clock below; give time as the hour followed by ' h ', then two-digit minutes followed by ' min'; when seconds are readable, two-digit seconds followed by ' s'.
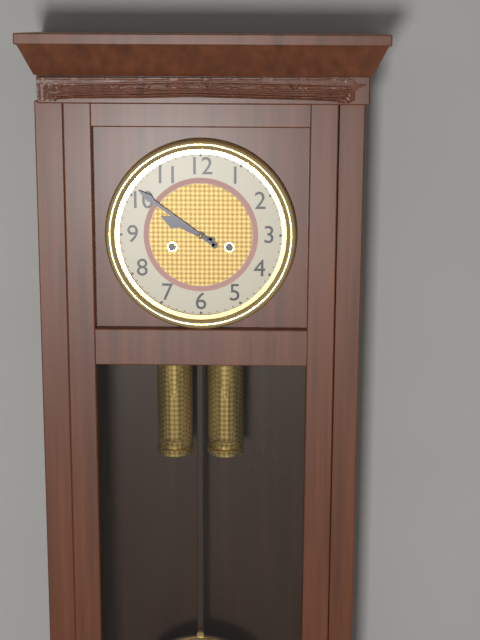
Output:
9 h 51 min
